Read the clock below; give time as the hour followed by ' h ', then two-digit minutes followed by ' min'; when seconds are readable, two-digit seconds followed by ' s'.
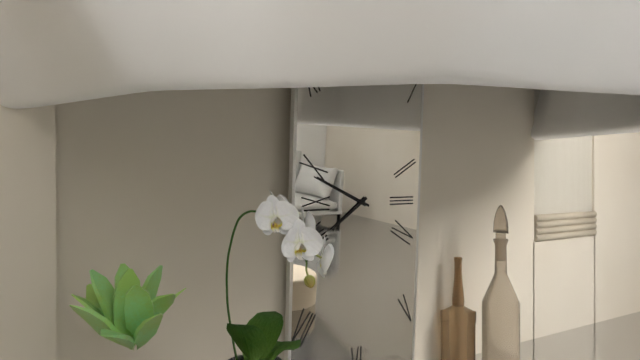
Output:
7 h 49 min
